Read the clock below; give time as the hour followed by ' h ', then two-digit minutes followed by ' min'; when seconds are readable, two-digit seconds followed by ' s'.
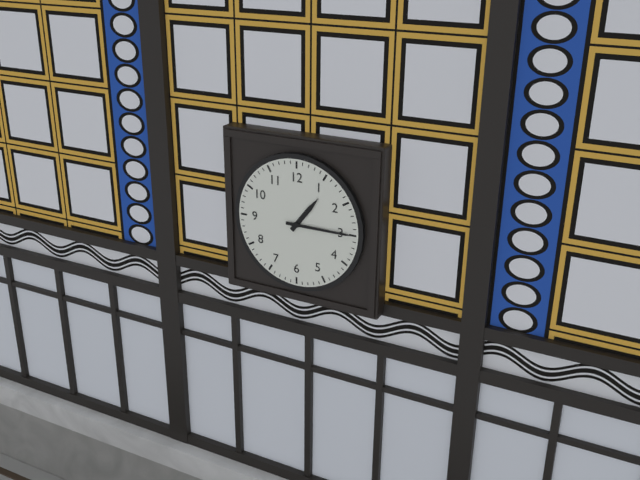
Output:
1 h 15 min
